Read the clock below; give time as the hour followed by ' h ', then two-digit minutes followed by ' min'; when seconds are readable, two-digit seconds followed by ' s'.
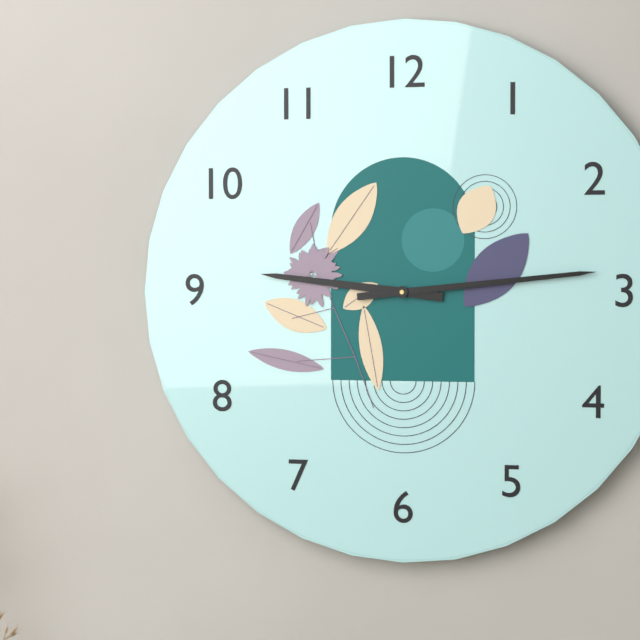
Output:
9 h 14 min
